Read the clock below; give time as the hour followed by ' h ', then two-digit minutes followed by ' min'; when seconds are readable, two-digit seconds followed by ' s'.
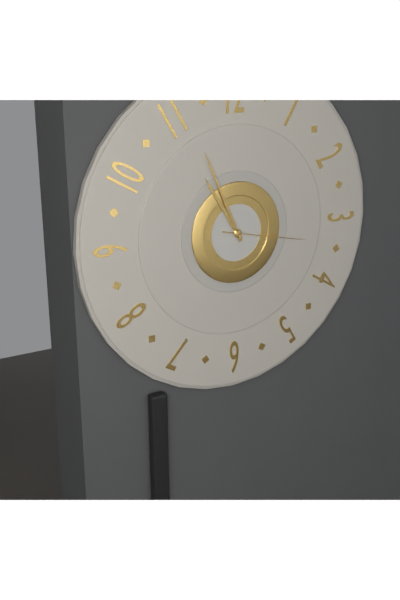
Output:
10 h 56 min 17 s
